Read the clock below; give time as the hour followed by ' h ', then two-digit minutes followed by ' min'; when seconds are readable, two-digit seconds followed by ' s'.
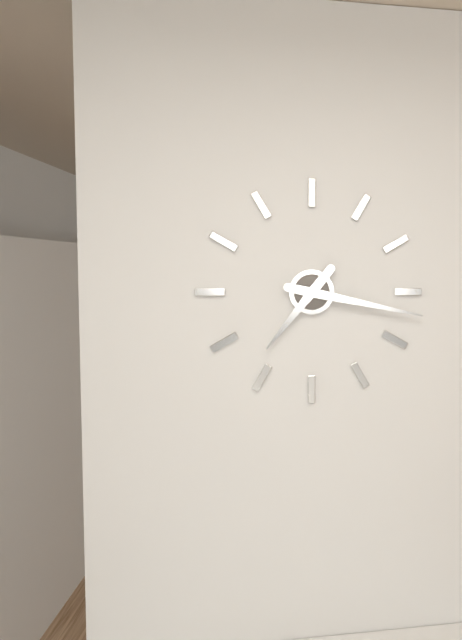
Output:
7 h 17 min
